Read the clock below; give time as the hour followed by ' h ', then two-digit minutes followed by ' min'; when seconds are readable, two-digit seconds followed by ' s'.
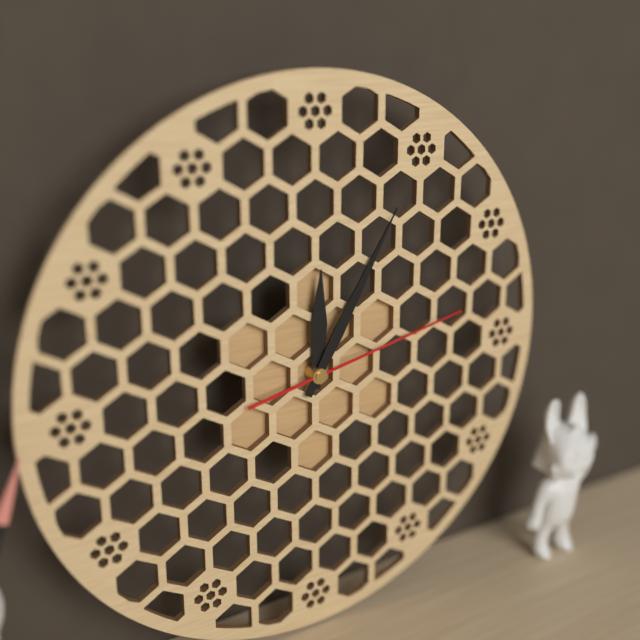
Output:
12 h 05 min 13 s
